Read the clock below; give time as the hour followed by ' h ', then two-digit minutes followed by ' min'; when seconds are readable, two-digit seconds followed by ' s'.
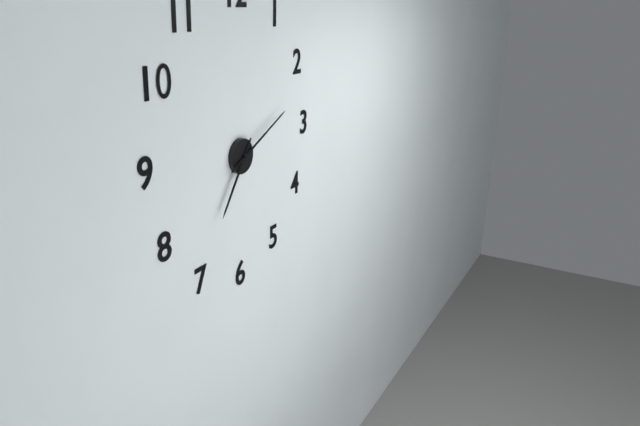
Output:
7 h 11 min
